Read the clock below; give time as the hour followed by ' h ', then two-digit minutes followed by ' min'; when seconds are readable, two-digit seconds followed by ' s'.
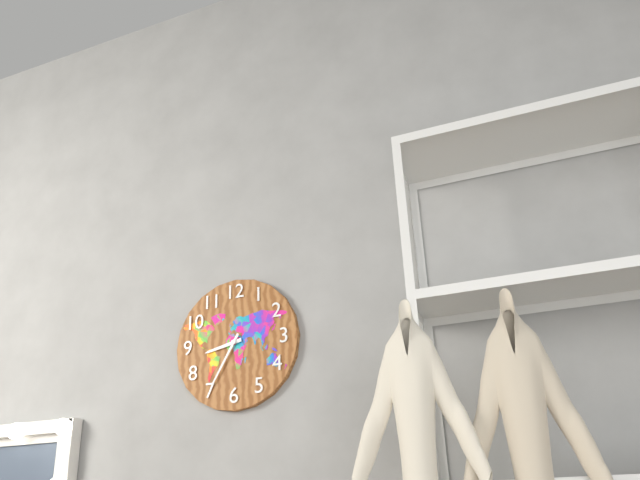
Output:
8 h 35 min
